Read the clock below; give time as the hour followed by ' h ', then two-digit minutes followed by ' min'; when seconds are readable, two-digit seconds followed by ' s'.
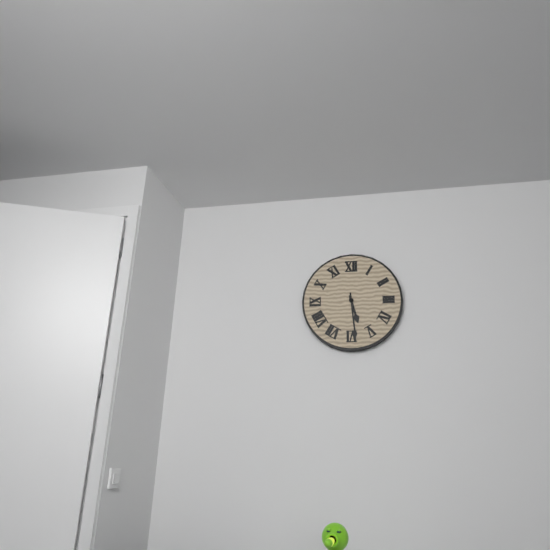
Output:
5 h 29 min
